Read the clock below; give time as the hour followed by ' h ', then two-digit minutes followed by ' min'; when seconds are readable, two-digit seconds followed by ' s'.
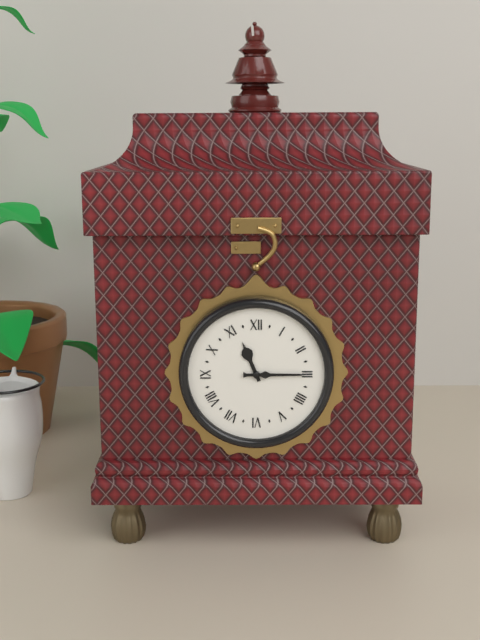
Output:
11 h 15 min
